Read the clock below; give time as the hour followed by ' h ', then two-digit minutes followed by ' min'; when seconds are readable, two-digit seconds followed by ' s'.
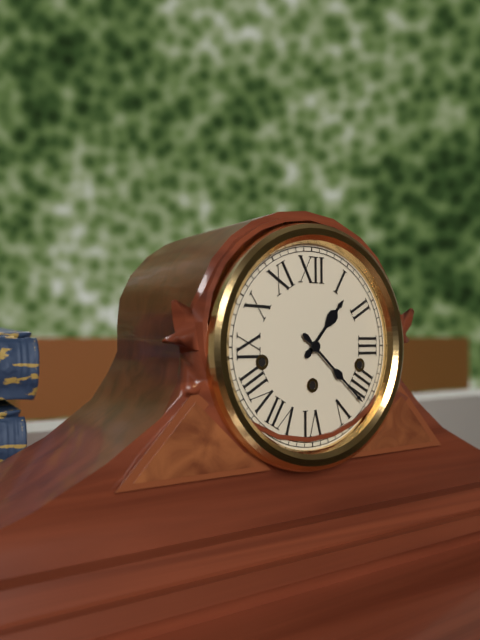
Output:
1 h 22 min
